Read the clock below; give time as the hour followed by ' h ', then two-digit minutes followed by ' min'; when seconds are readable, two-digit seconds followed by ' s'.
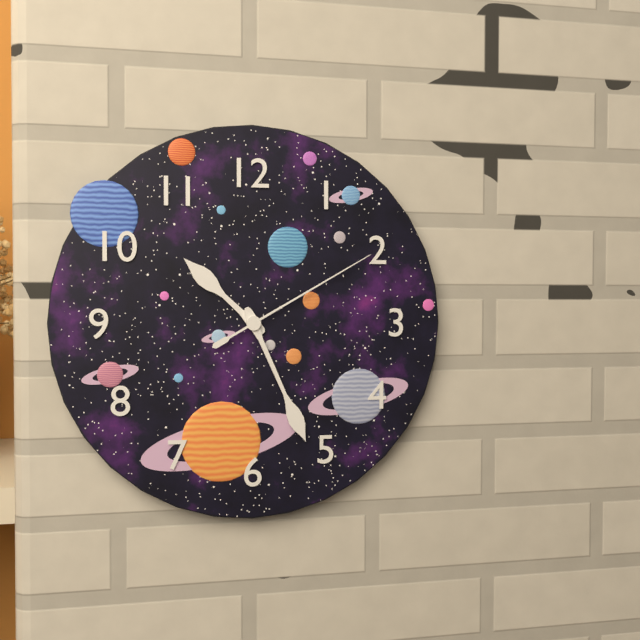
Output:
10 h 26 min 10 s
